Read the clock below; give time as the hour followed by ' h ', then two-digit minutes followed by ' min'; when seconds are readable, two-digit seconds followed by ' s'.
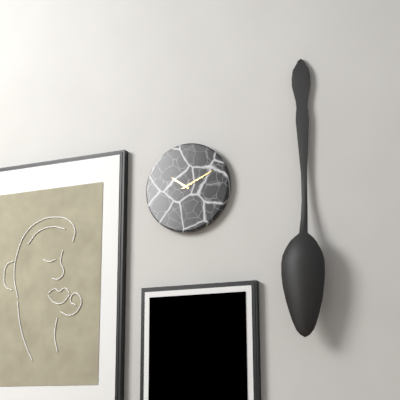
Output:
10 h 11 min
